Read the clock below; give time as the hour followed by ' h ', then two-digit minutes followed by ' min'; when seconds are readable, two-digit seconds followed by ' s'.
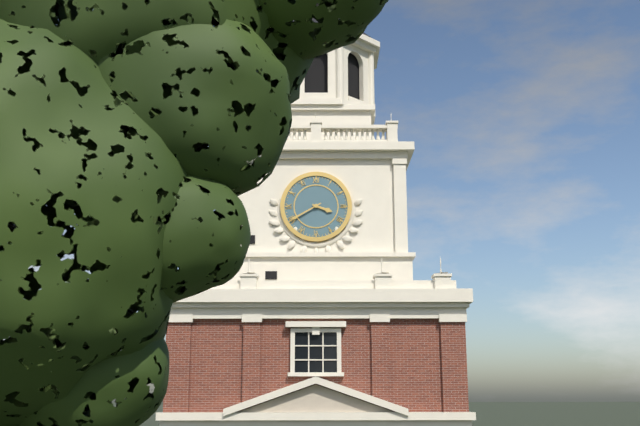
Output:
3 h 40 min
